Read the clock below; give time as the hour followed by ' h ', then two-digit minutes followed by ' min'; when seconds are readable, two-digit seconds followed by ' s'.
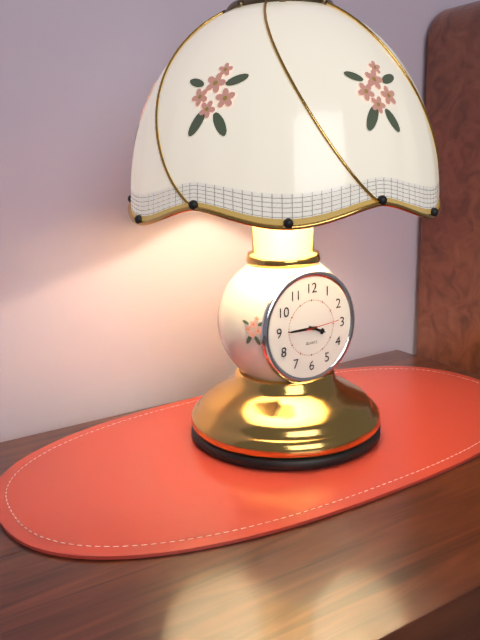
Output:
3 h 45 min
